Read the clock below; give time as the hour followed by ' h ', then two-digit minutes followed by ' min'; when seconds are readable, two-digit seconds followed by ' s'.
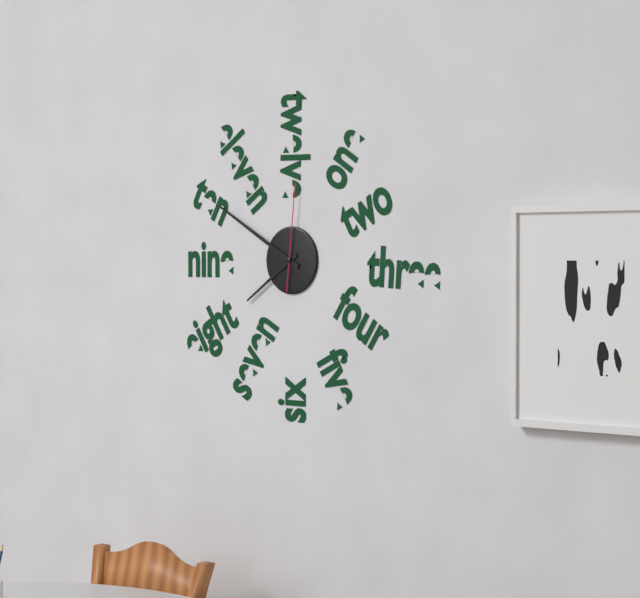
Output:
7 h 50 min 01 s
